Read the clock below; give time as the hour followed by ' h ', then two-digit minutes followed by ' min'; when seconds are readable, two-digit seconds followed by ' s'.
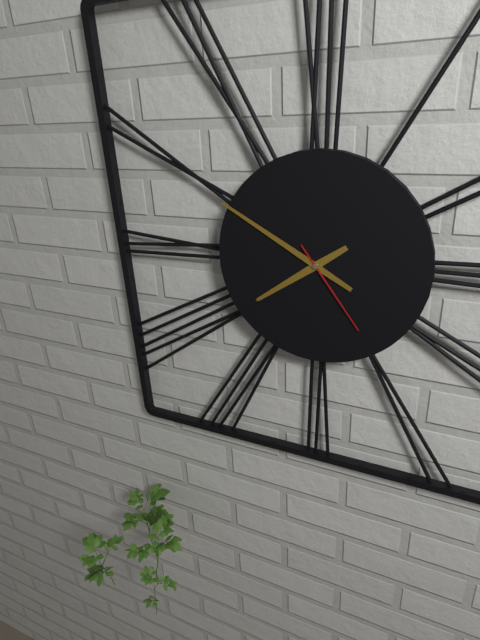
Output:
7 h 50 min 24 s
